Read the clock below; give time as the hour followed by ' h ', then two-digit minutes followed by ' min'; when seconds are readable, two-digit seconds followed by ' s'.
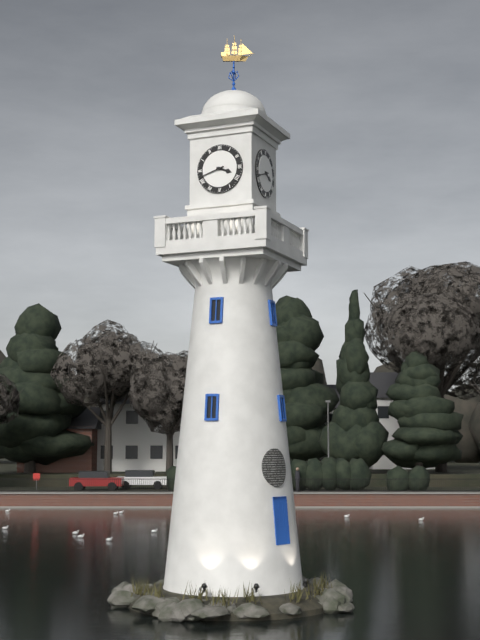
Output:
3 h 42 min
